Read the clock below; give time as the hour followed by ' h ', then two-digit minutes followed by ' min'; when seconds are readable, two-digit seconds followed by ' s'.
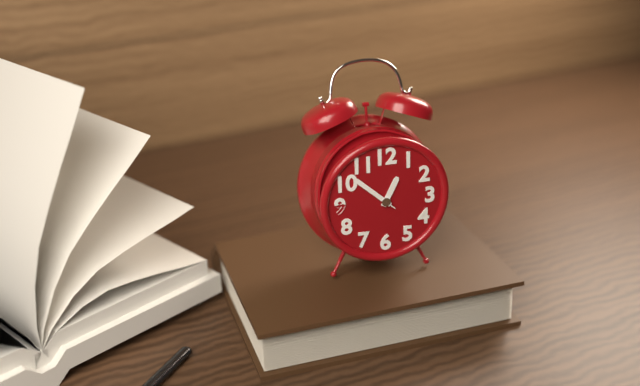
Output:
12 h 52 min 52 s
